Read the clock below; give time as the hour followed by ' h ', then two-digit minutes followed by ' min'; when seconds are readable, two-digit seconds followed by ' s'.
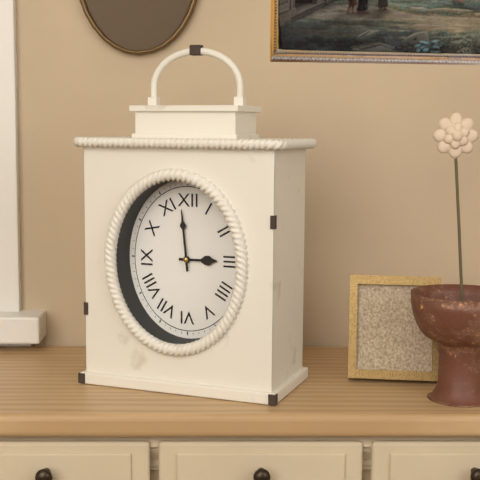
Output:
2 h 59 min
